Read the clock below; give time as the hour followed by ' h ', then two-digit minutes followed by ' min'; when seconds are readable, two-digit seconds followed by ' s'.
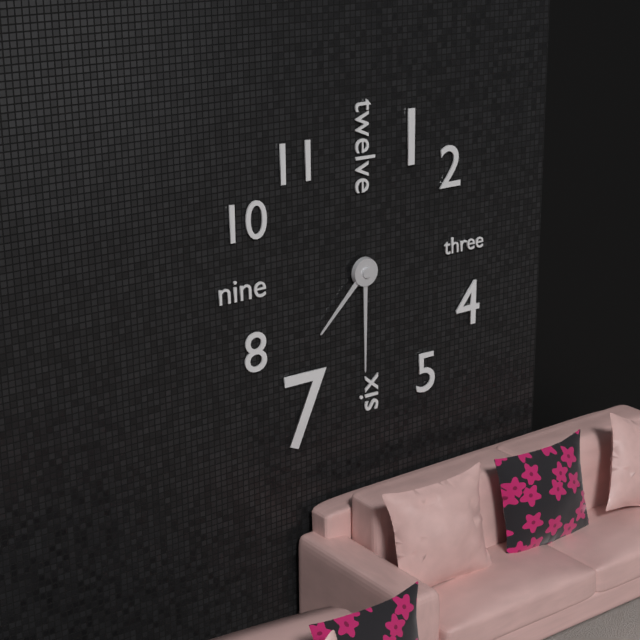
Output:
7 h 30 min
